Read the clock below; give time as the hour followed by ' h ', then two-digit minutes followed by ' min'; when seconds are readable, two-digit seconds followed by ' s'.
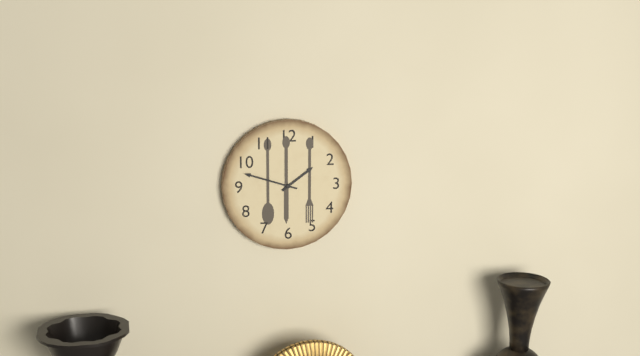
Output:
1 h 48 min
